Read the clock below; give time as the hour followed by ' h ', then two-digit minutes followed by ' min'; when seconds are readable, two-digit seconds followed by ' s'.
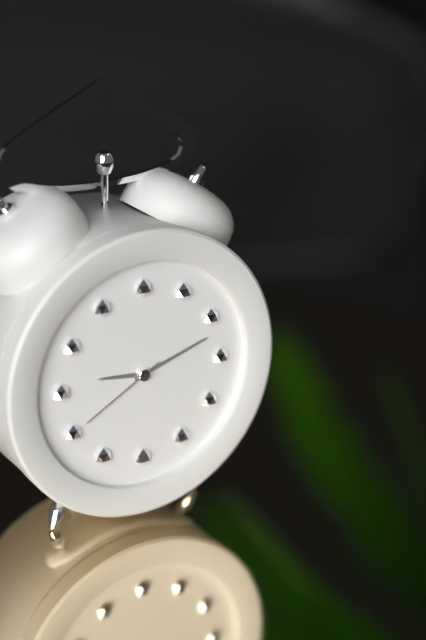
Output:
9 h 12 min 40 s
